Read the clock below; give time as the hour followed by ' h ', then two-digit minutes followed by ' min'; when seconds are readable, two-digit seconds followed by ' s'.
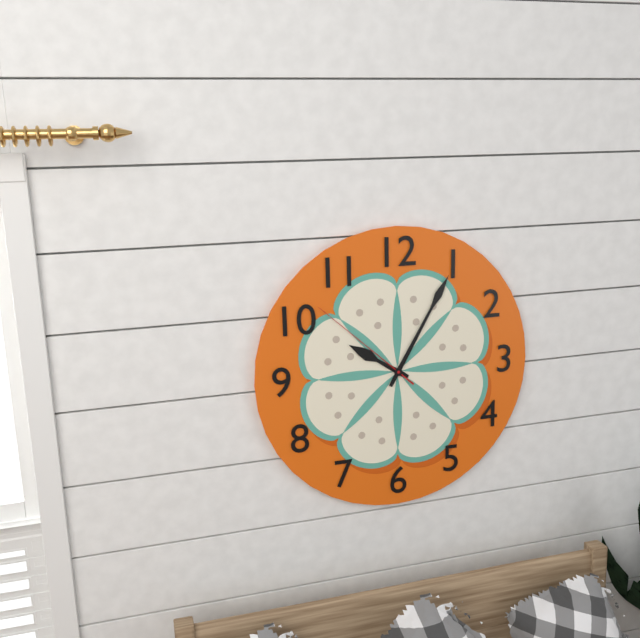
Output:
10 h 05 min 52 s
